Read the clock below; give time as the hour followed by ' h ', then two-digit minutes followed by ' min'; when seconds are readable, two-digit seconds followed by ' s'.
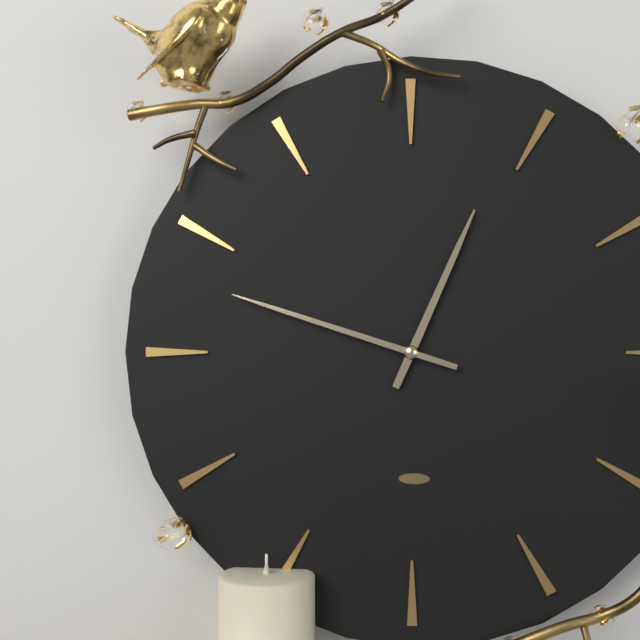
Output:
12 h 48 min
